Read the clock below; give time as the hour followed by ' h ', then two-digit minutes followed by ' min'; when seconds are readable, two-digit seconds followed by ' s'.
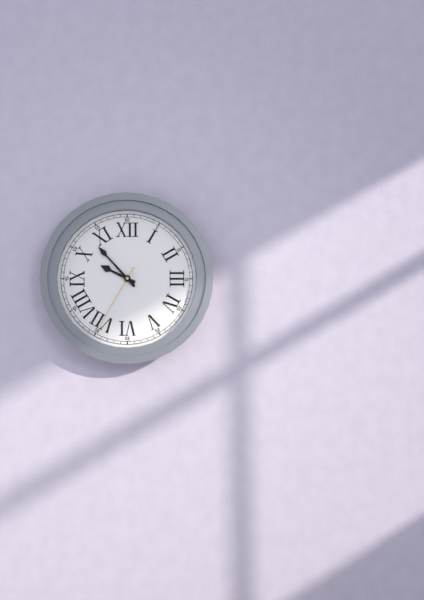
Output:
9 h 53 min 35 s
